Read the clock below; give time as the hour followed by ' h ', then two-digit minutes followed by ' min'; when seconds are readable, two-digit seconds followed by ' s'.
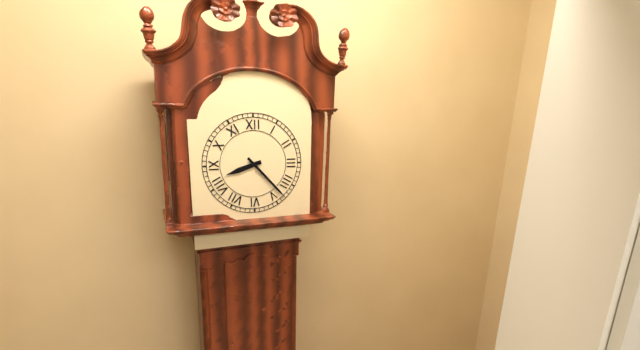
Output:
8 h 23 min
